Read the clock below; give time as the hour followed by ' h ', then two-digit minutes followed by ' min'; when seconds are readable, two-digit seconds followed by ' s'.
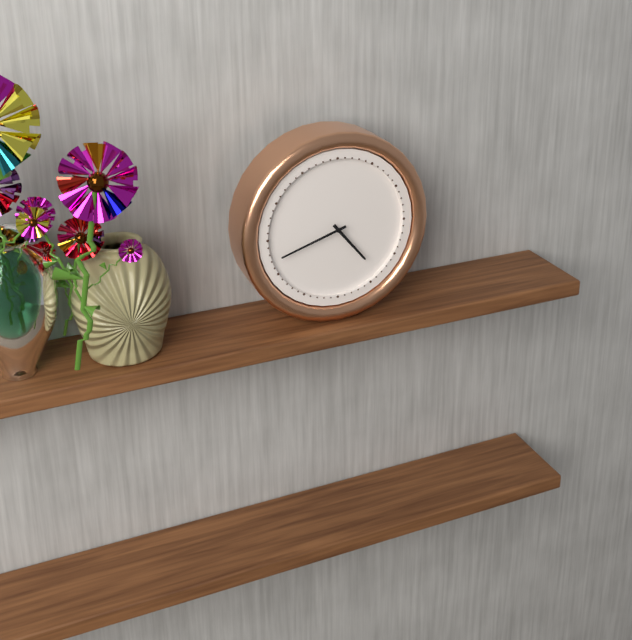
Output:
4 h 42 min
